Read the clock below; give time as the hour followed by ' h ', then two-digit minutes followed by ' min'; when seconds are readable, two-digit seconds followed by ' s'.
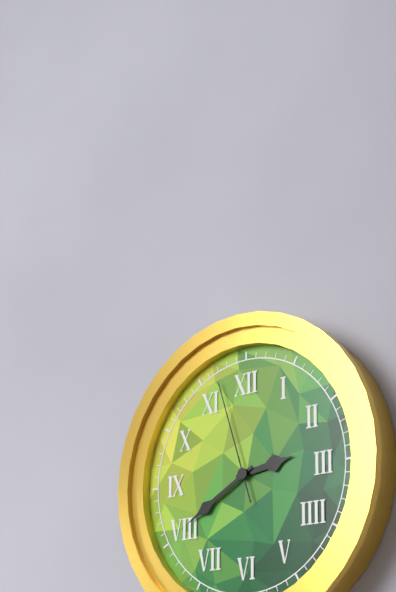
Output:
2 h 40 min 57 s
